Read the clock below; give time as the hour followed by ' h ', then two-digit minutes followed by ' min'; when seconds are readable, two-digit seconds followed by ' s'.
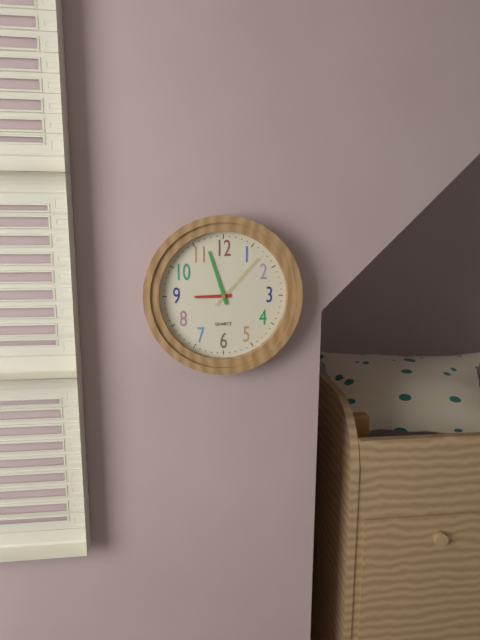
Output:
8 h 57 min 07 s
